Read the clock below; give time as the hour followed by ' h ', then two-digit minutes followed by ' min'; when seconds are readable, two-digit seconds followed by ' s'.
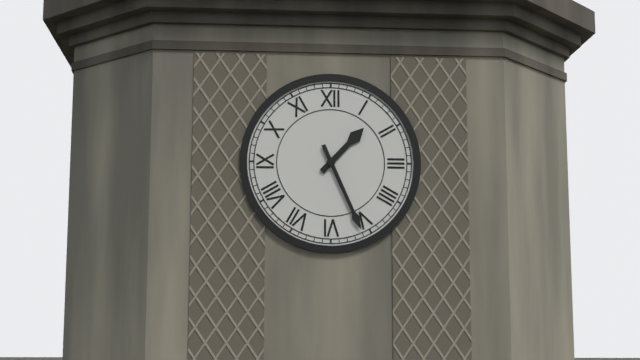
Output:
1 h 26 min
